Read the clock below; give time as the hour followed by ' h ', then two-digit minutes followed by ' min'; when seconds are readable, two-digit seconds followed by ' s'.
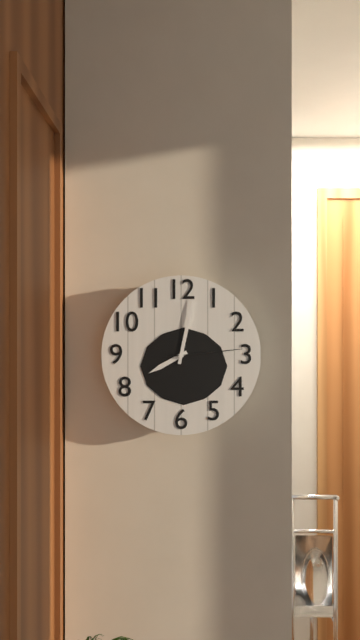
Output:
8 h 02 min 14 s
